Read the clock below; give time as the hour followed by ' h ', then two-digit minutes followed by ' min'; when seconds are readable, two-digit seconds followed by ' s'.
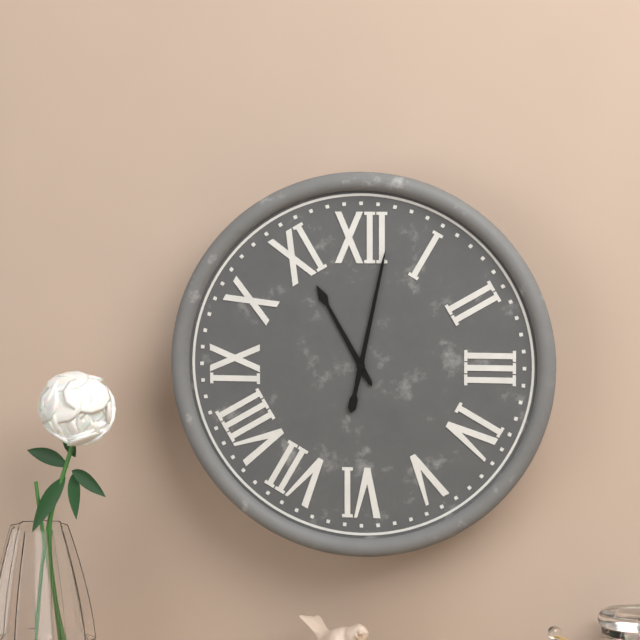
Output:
11 h 02 min
